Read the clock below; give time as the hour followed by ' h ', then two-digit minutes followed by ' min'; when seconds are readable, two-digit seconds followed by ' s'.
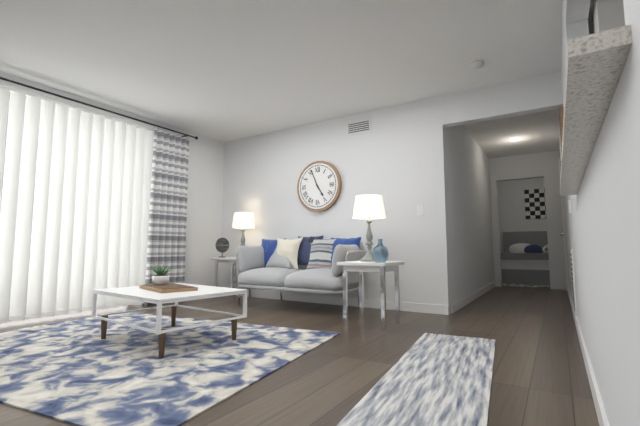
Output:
4 h 56 min
